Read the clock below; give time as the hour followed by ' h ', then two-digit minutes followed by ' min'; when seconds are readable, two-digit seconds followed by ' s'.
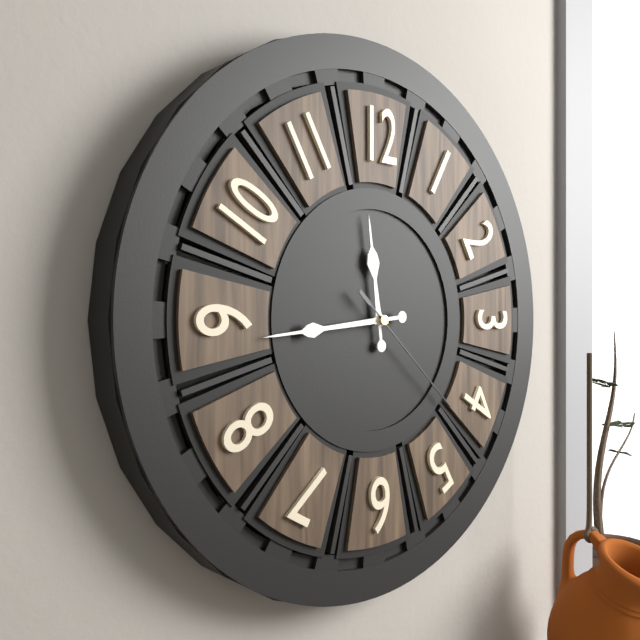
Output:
11 h 44 min 22 s
